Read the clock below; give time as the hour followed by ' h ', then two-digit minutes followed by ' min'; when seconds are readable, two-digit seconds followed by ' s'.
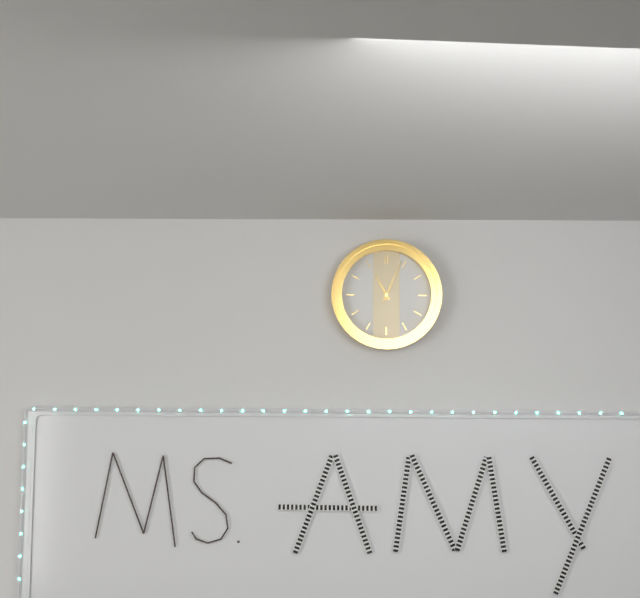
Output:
11 h 04 min
